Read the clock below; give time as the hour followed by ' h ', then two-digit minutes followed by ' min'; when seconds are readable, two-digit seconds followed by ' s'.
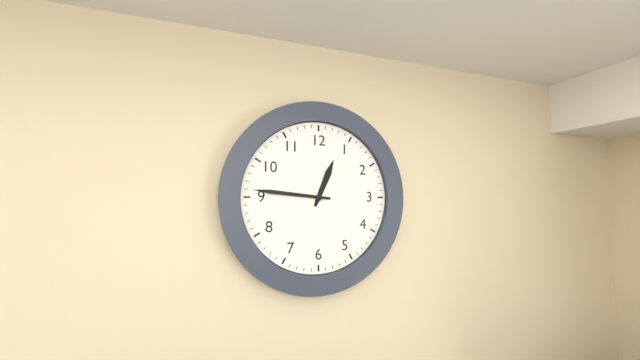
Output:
12 h 46 min
